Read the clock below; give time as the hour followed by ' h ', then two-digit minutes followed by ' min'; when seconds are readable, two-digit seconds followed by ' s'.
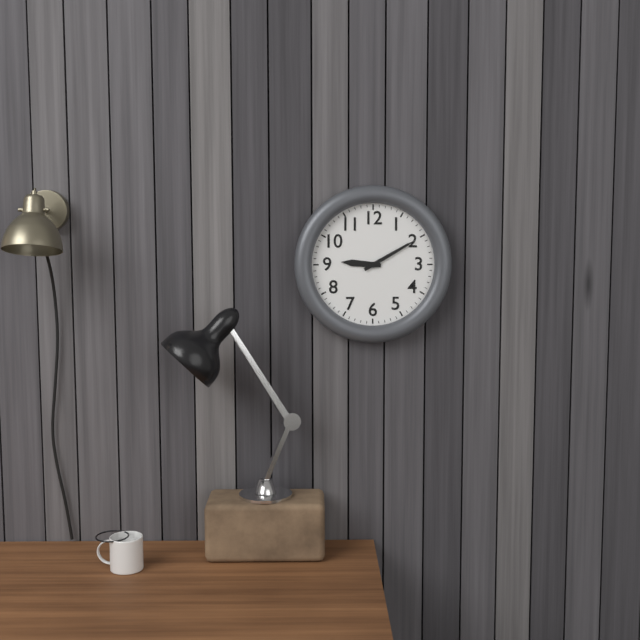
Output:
9 h 10 min
